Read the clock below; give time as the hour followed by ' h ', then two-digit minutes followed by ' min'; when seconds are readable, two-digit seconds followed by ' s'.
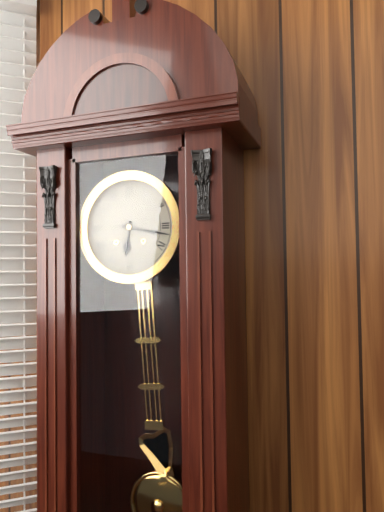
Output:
6 h 17 min
